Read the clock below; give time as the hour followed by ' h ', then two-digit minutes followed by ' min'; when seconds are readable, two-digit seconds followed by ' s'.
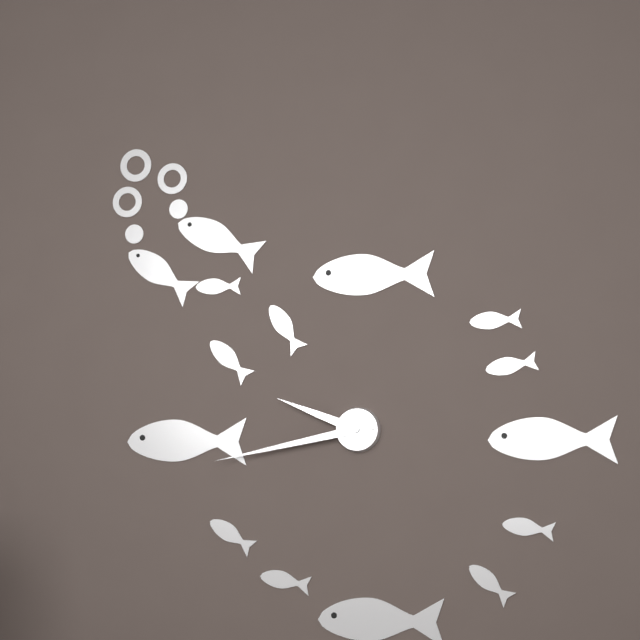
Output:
9 h 43 min
